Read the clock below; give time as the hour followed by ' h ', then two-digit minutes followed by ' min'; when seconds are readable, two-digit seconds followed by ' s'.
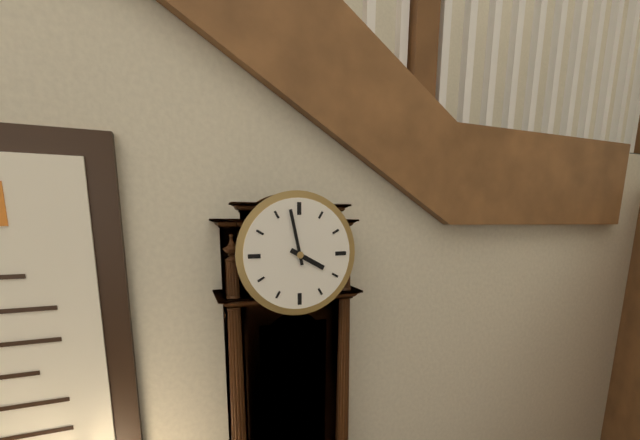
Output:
3 h 58 min
